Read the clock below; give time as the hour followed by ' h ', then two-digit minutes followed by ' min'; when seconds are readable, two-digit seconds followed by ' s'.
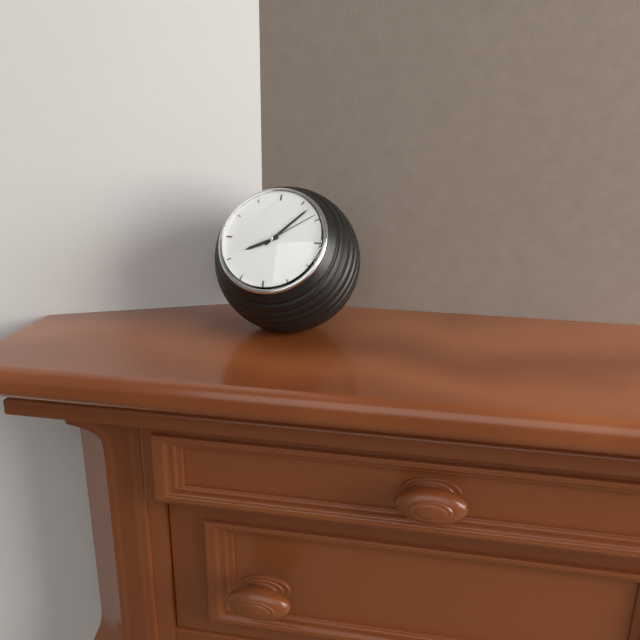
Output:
8 h 07 min 09 s
